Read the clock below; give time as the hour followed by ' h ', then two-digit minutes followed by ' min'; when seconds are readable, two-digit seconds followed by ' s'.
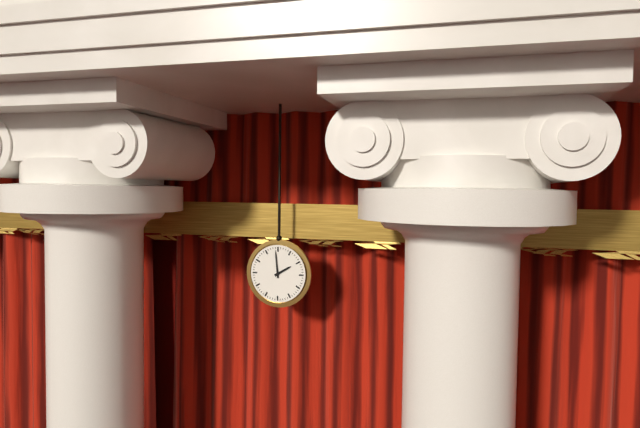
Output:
1 h 59 min
